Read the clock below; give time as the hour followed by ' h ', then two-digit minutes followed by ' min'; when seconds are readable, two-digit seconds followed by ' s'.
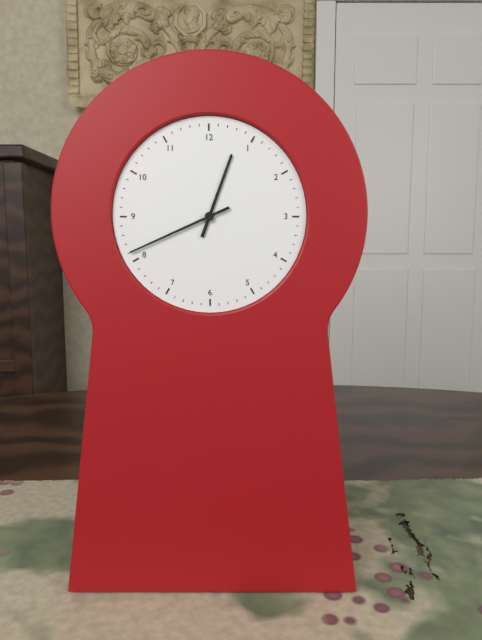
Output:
12 h 41 min
